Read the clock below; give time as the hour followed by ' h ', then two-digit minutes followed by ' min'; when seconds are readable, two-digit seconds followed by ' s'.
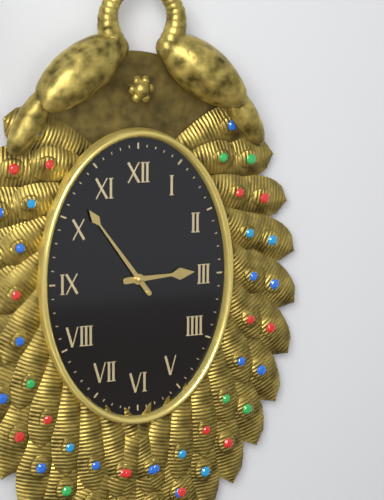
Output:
2 h 54 min
